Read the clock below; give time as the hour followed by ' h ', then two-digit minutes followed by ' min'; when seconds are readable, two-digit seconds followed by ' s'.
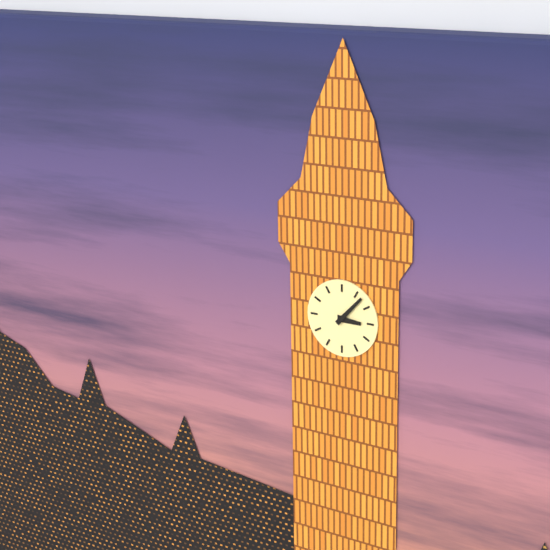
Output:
3 h 07 min
